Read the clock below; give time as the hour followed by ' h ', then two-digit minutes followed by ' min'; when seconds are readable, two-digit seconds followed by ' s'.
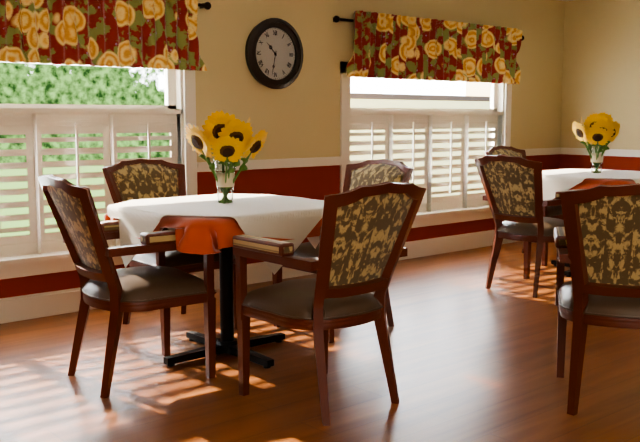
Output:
10 h 32 min
